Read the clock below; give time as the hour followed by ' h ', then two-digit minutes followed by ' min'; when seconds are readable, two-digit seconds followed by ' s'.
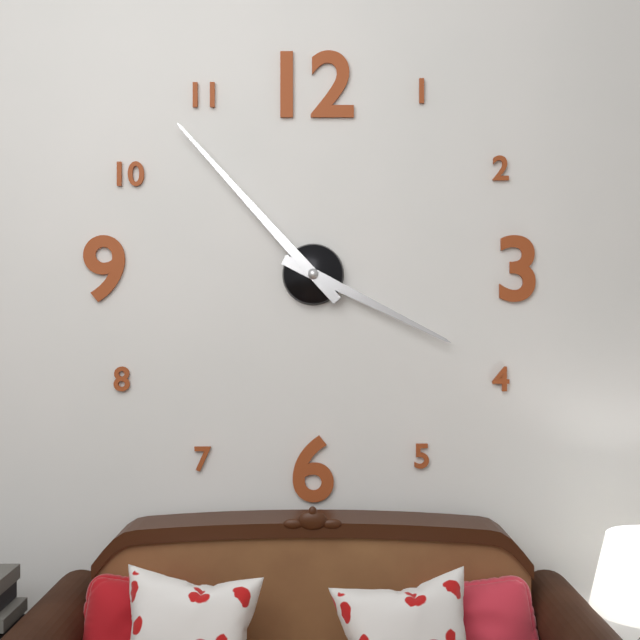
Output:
3 h 53 min
